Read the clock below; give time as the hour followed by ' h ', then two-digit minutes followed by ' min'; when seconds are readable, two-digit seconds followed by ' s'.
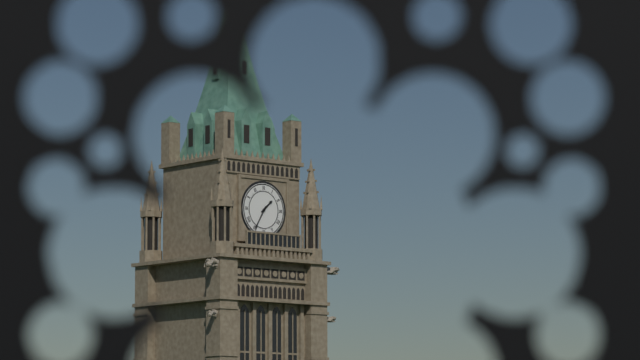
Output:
1 h 35 min
